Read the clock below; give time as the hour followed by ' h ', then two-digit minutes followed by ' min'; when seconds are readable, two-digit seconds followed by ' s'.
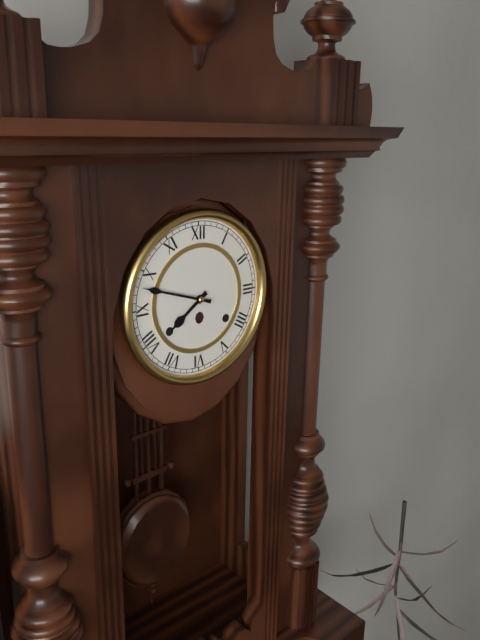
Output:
7 h 48 min
